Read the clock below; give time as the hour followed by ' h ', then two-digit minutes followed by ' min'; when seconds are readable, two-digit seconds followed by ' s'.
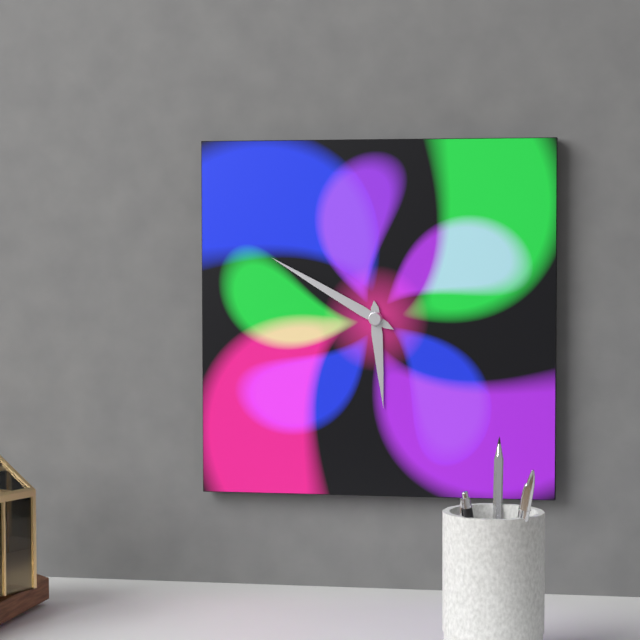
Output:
5 h 50 min
